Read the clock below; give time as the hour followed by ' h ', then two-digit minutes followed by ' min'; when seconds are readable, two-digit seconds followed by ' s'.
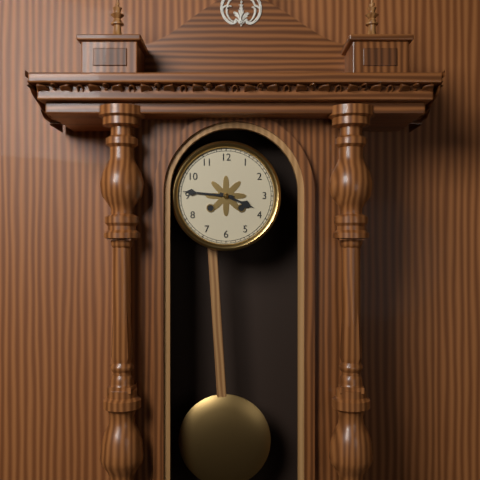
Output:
3 h 46 min
